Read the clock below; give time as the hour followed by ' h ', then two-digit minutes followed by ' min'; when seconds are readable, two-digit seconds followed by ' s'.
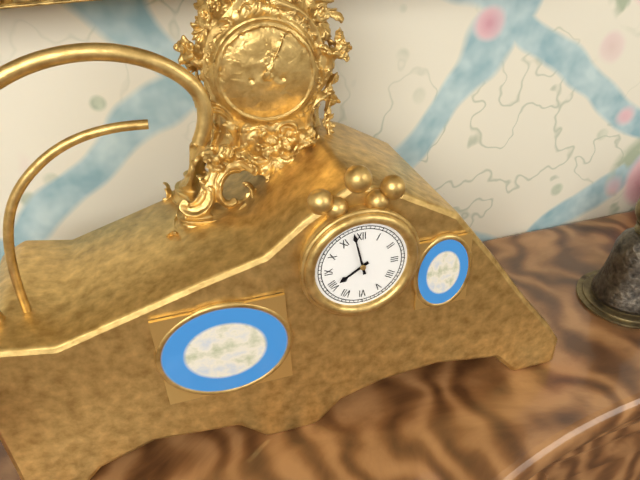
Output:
7 h 58 min
